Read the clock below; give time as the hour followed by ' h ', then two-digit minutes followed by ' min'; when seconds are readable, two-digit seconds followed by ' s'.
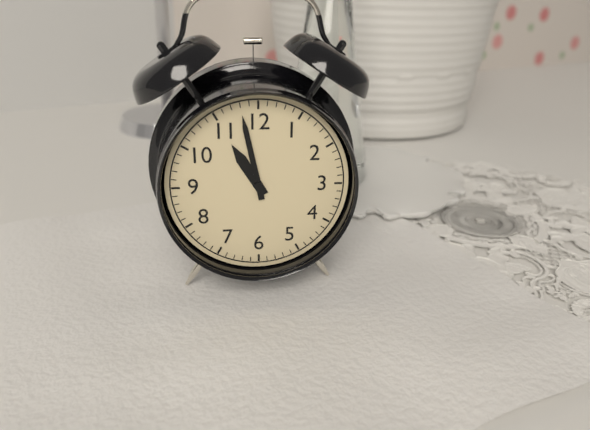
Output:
10 h 58 min
